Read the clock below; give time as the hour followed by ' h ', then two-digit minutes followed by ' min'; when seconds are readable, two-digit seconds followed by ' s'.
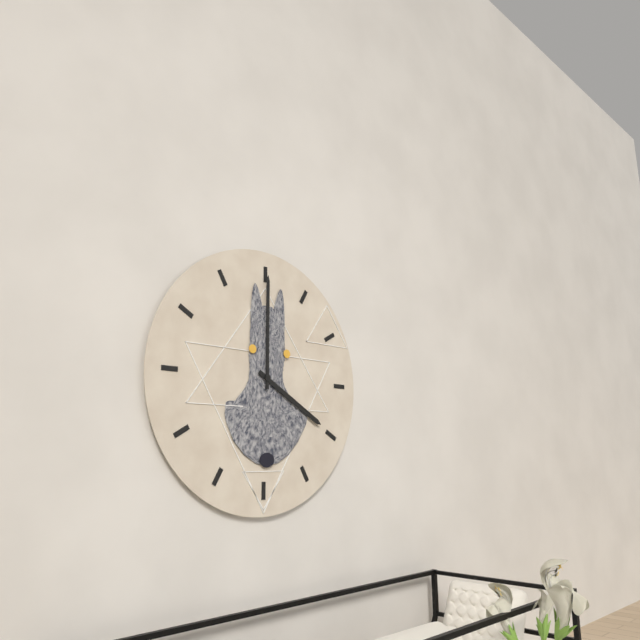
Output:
4 h 00 min
